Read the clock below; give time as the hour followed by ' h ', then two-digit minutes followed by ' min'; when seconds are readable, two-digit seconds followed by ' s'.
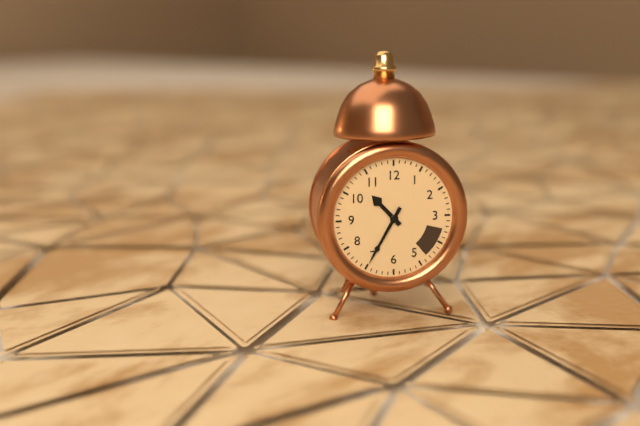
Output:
10 h 35 min
